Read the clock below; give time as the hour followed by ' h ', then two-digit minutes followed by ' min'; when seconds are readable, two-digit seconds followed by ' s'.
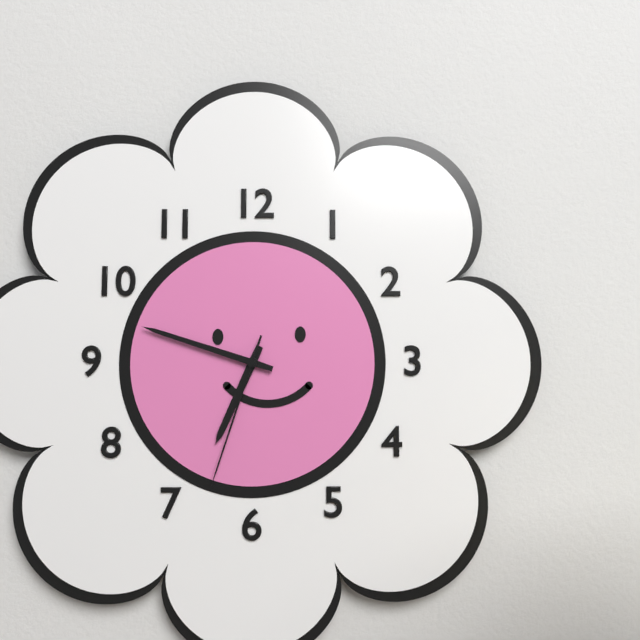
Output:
6 h 48 min 33 s
